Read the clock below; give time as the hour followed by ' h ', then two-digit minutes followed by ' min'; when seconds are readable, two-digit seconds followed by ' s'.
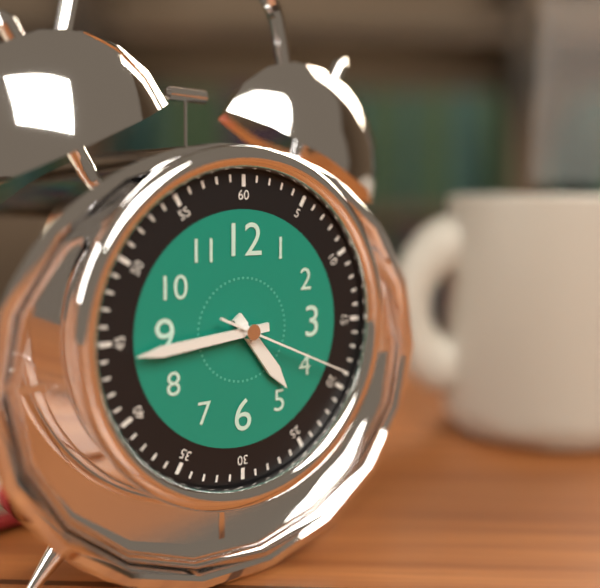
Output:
4 h 44 min 19 s
